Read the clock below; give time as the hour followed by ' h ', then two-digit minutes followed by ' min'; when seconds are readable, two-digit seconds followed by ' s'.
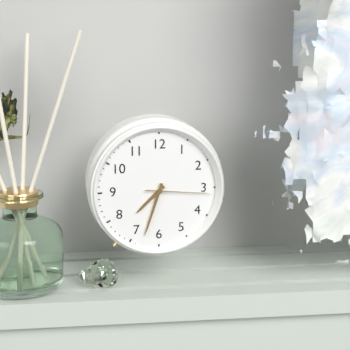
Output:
7 h 33 min 16 s
